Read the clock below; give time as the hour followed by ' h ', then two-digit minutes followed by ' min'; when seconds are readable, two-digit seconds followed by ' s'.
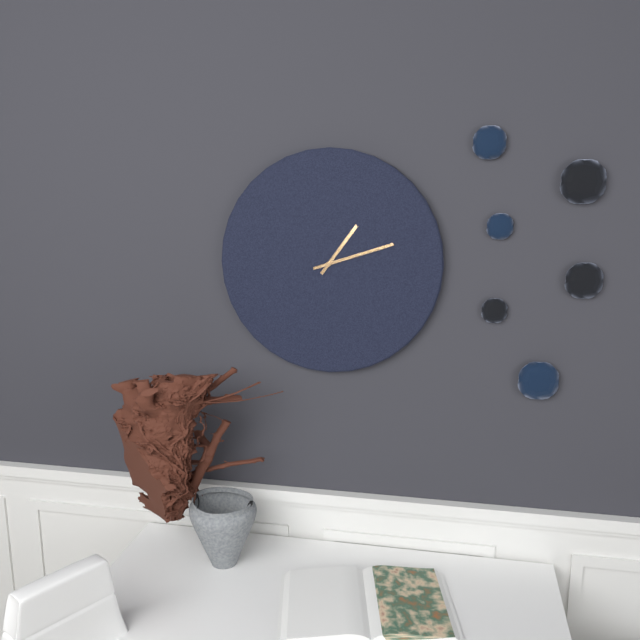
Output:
1 h 12 min
